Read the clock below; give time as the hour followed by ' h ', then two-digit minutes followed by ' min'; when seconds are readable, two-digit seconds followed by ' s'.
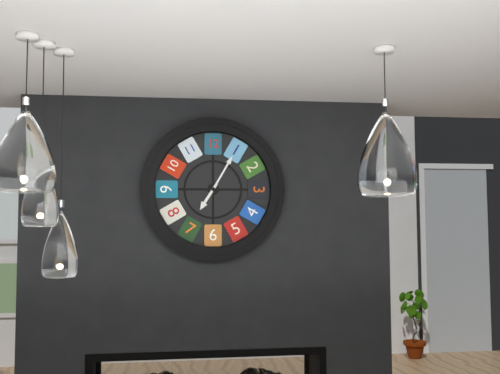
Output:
7 h 05 min
